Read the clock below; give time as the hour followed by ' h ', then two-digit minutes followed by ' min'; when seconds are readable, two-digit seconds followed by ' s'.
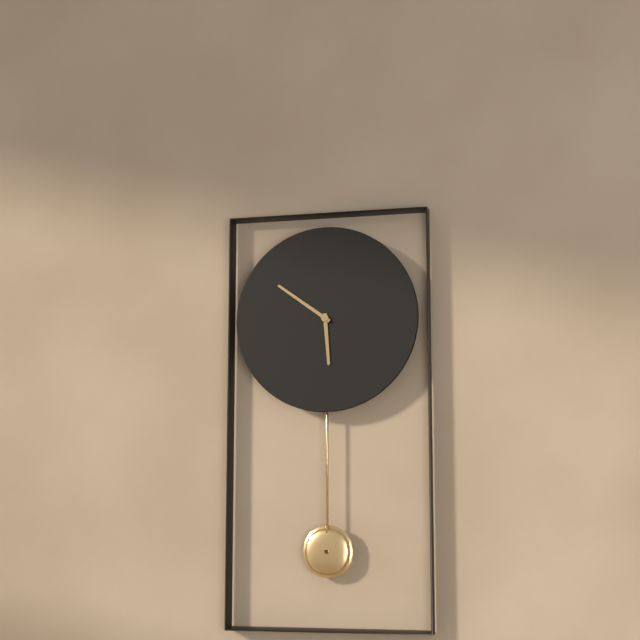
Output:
5 h 51 min
